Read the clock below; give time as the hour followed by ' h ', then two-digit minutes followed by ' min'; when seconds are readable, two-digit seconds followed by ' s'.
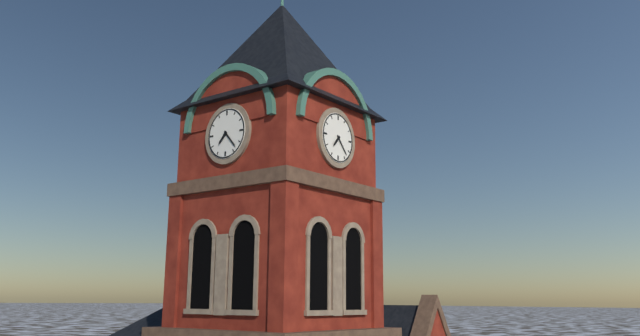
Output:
7 h 23 min
